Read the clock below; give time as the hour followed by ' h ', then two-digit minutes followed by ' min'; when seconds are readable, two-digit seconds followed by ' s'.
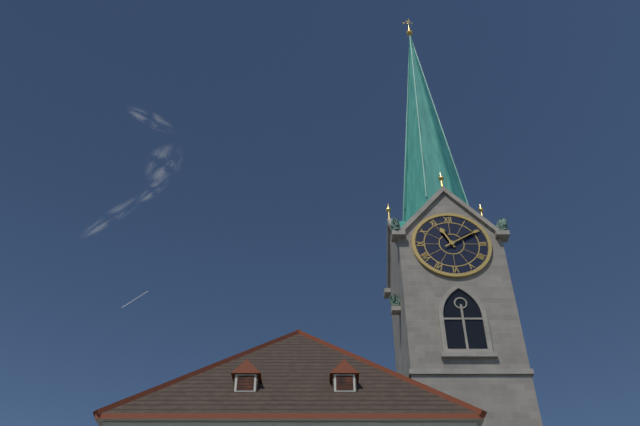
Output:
11 h 10 min
